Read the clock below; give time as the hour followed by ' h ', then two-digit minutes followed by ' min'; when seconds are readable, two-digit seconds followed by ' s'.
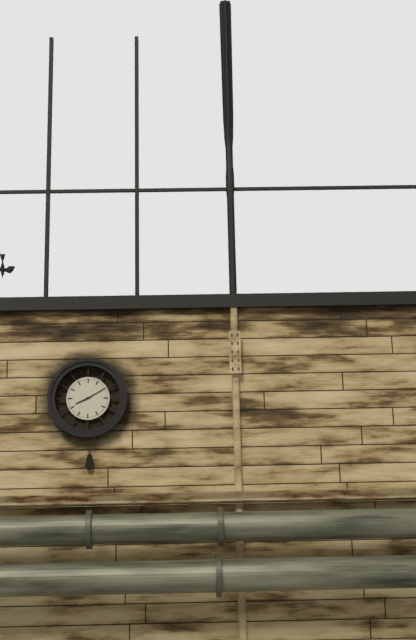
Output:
8 h 10 min
